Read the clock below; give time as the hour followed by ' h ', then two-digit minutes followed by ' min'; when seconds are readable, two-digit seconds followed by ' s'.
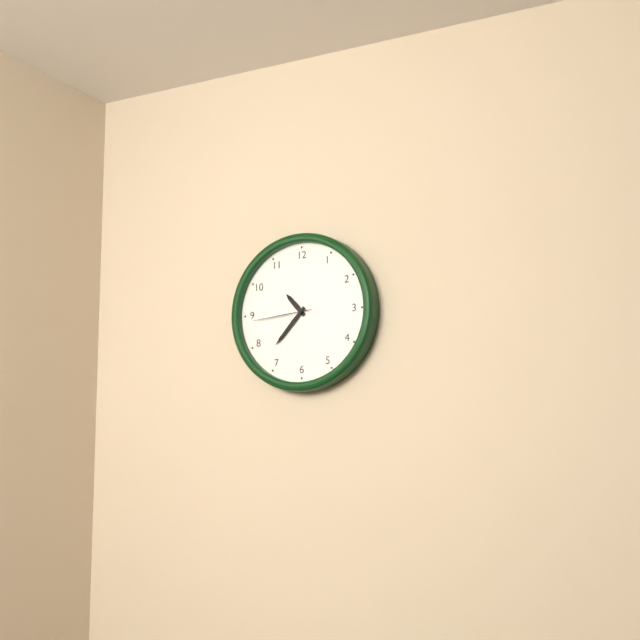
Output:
10 h 37 min 44 s
